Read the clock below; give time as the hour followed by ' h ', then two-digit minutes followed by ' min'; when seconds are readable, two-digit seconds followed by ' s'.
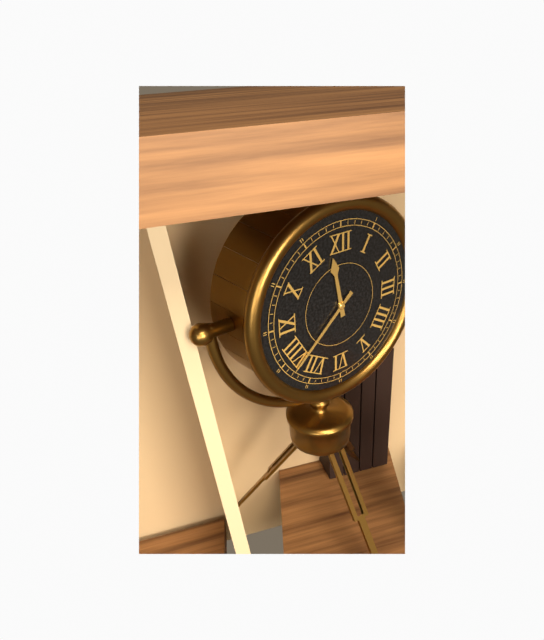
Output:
11 h 38 min
